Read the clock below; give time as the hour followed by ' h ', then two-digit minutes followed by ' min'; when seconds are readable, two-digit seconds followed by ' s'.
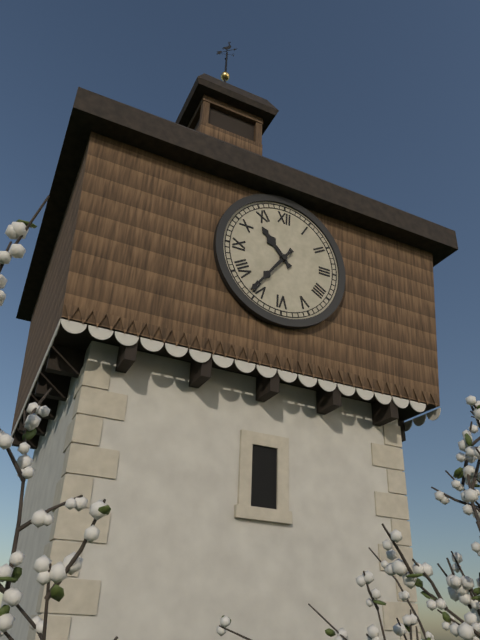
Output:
10 h 36 min
